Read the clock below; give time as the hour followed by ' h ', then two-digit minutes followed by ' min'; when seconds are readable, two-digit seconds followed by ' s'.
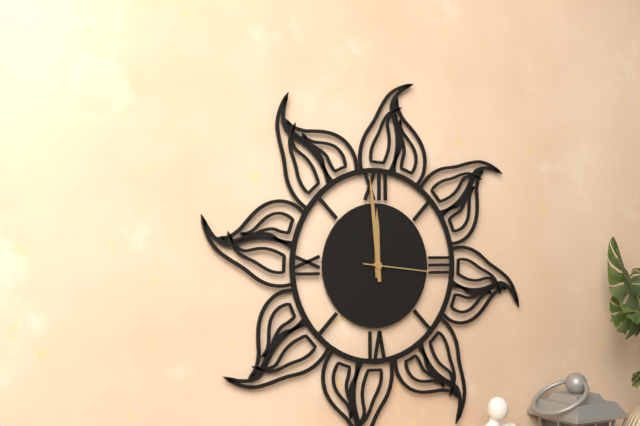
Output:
11 h 59 min 16 s
